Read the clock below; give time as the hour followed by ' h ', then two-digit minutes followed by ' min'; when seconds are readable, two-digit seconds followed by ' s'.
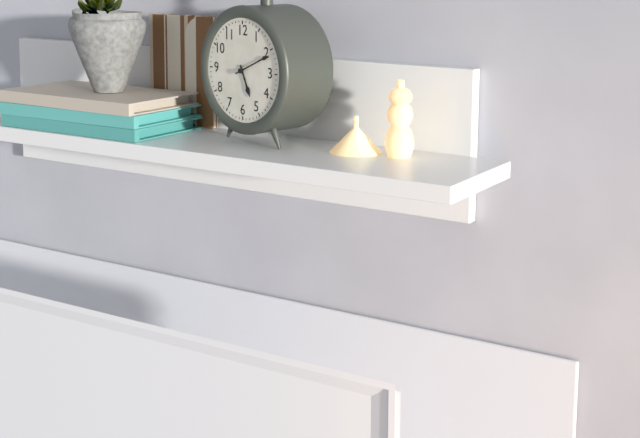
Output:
5 h 11 min
